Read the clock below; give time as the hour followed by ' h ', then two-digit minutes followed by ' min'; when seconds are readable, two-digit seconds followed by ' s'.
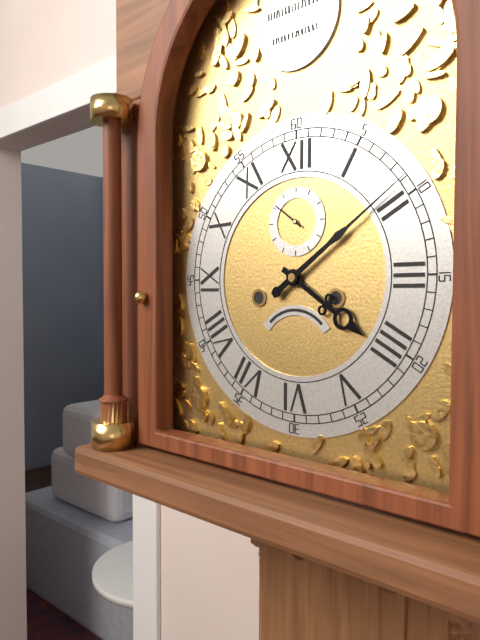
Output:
4 h 09 min
